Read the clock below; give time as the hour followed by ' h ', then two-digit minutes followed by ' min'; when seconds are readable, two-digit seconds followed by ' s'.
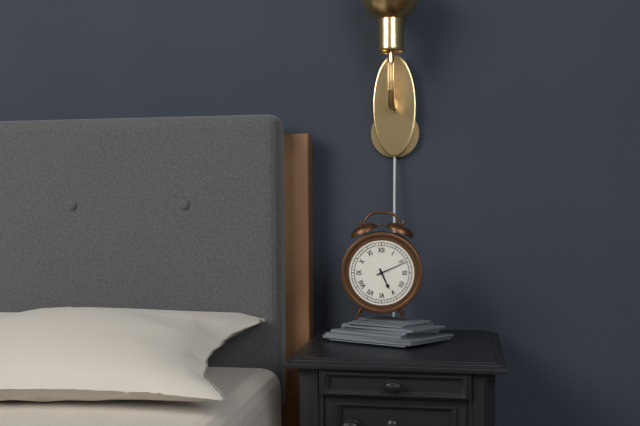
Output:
5 h 11 min
